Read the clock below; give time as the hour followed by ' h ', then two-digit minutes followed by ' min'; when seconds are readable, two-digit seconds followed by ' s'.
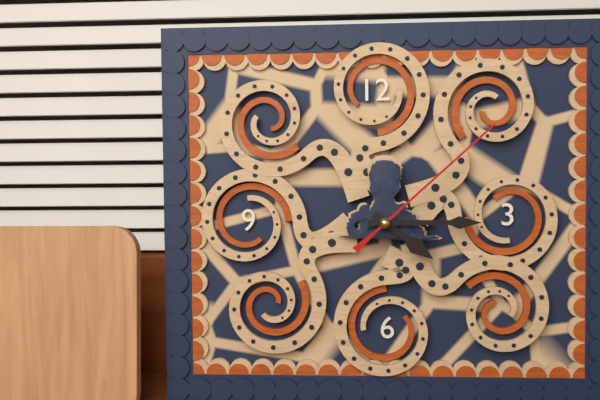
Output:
4 h 15 min 08 s
